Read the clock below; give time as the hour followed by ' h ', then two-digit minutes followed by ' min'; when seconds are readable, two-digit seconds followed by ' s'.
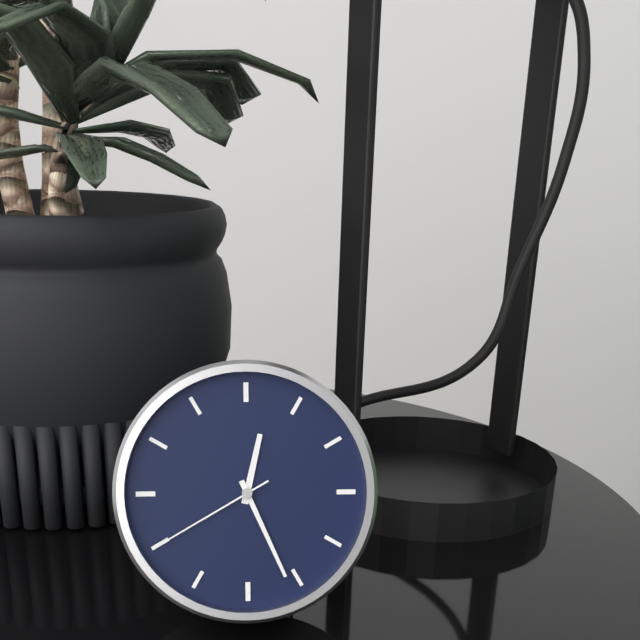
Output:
12 h 26 min 40 s
